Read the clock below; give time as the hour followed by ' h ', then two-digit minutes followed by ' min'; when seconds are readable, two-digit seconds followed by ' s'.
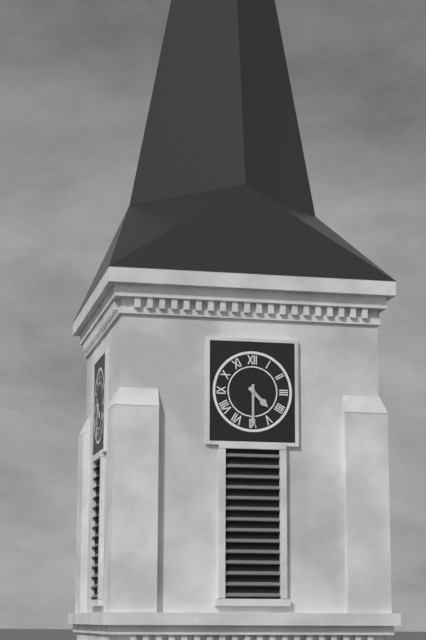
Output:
4 h 30 min
